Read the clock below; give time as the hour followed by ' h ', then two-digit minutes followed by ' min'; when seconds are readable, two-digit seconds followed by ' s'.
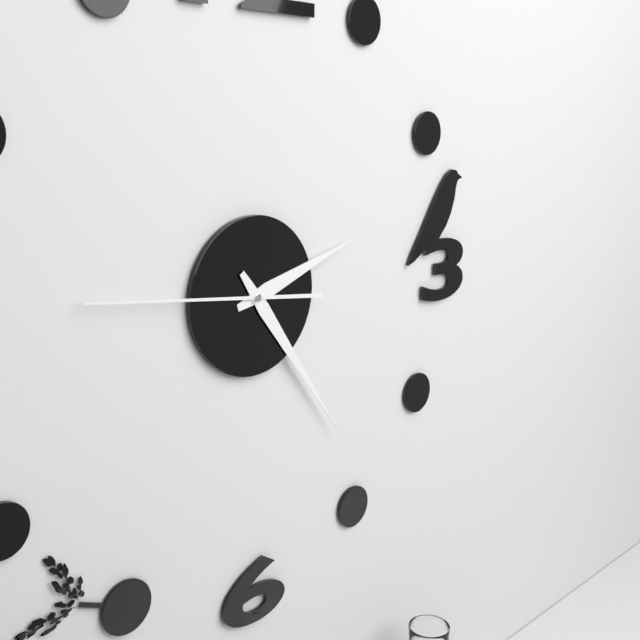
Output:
2 h 24 min 46 s
